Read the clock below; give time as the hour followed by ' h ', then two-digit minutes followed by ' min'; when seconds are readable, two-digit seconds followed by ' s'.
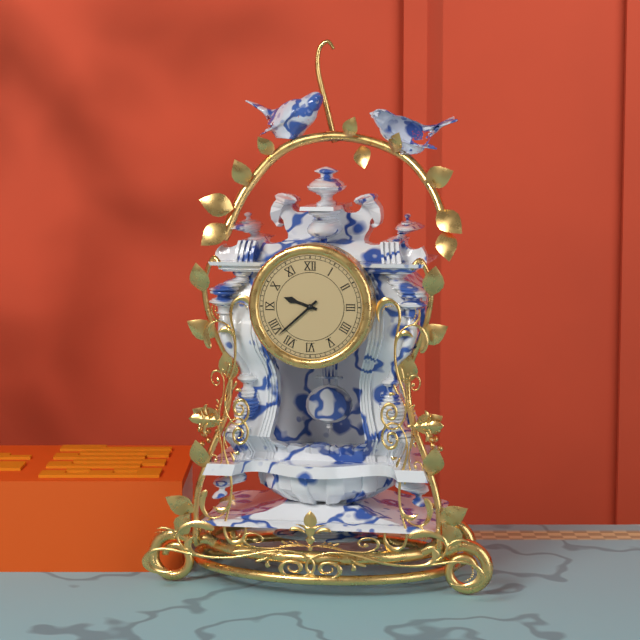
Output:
9 h 38 min
